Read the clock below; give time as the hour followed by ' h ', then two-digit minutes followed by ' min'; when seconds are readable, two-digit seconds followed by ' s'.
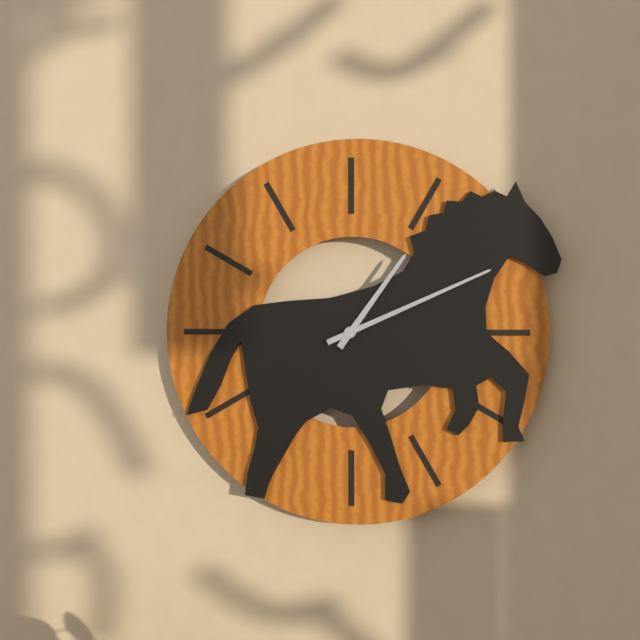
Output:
1 h 11 min
